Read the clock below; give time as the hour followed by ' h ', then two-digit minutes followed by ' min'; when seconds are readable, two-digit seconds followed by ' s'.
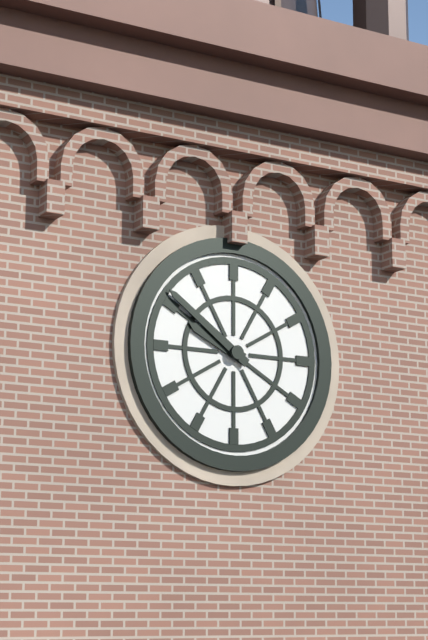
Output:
9 h 51 min
